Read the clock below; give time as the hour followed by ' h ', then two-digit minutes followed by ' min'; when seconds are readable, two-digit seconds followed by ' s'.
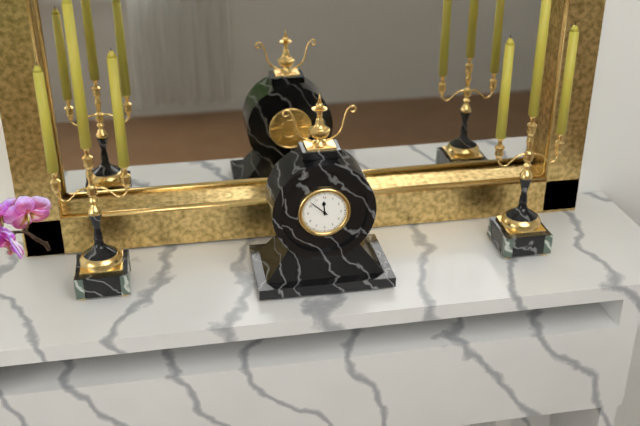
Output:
11 h 52 min
